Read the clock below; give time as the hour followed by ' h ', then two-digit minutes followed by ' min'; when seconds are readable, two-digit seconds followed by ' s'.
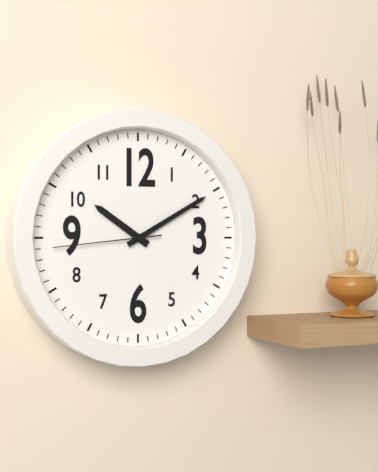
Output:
10 h 10 min 44 s
